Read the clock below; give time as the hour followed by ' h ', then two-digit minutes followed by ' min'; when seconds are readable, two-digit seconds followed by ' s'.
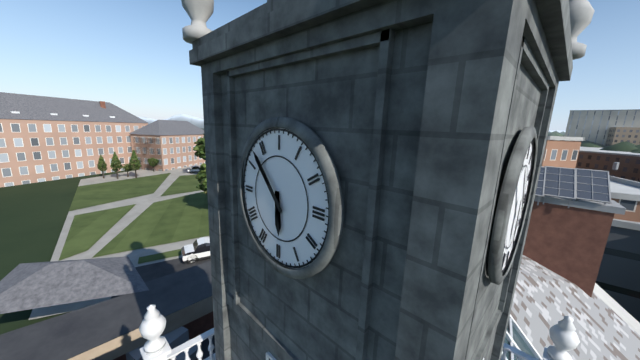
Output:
5 h 53 min
